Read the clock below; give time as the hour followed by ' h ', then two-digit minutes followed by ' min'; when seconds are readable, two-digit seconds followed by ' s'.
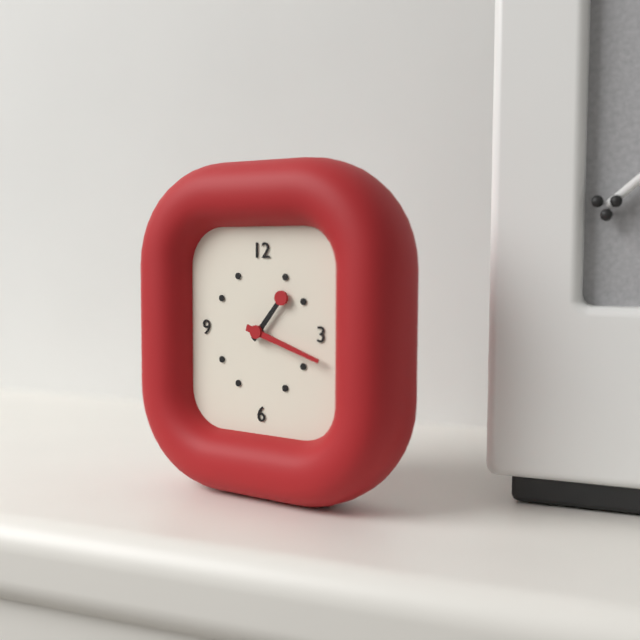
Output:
1 h 18 min
